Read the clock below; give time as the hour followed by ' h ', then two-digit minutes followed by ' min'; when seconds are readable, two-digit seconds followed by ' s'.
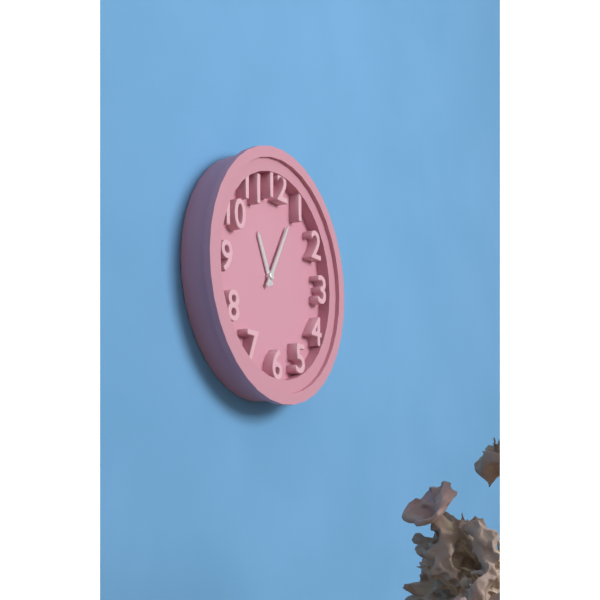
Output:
11 h 05 min
